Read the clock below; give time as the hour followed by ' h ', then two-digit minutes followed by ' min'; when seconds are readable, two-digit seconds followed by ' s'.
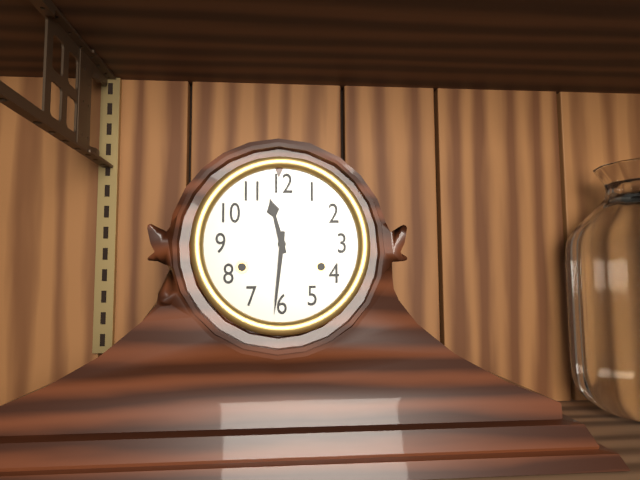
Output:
11 h 31 min
